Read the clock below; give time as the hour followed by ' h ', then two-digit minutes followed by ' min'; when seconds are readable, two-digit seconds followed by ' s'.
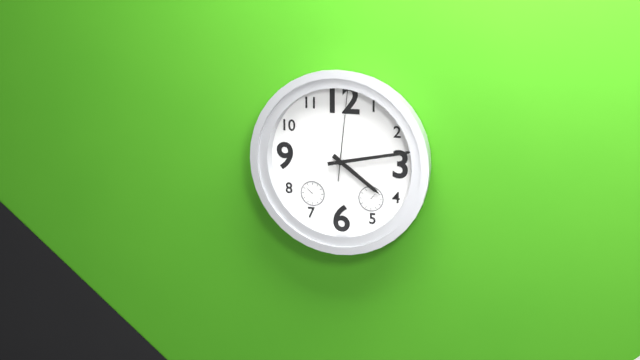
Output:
4 h 13 min 01 s
